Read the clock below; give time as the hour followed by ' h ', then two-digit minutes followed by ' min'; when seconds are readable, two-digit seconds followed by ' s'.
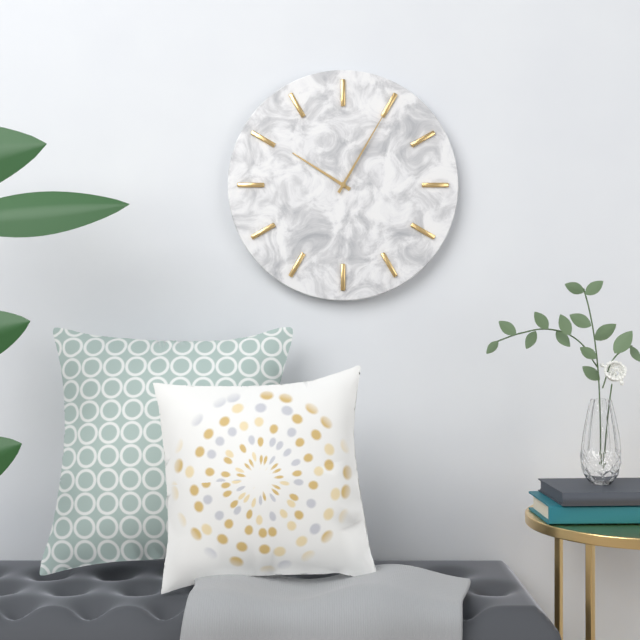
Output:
10 h 05 min
